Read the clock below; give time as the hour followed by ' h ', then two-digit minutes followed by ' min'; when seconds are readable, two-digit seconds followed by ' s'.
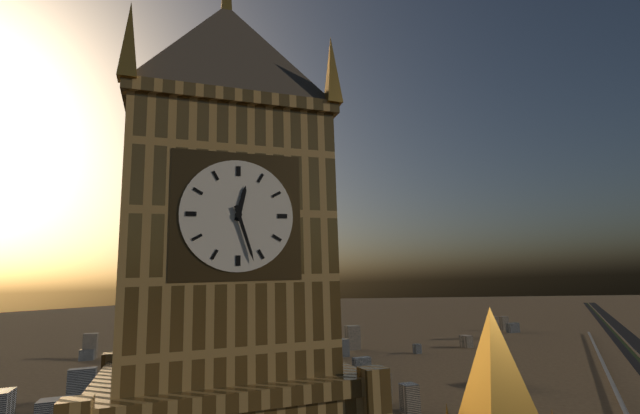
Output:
12 h 27 min
